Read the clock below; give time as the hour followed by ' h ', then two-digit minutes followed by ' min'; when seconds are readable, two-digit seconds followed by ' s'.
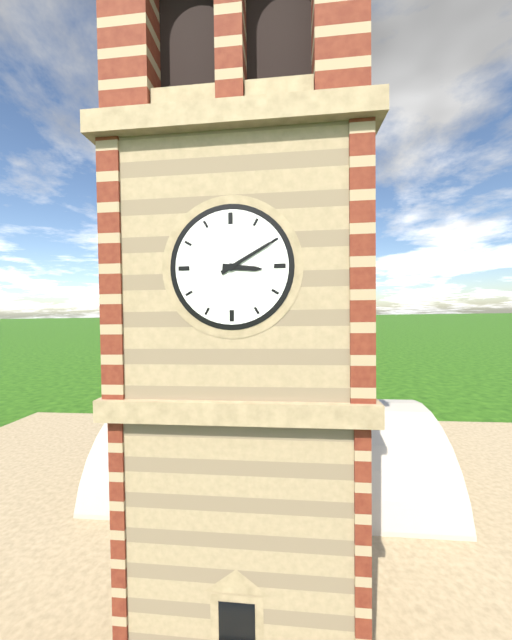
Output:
3 h 10 min
